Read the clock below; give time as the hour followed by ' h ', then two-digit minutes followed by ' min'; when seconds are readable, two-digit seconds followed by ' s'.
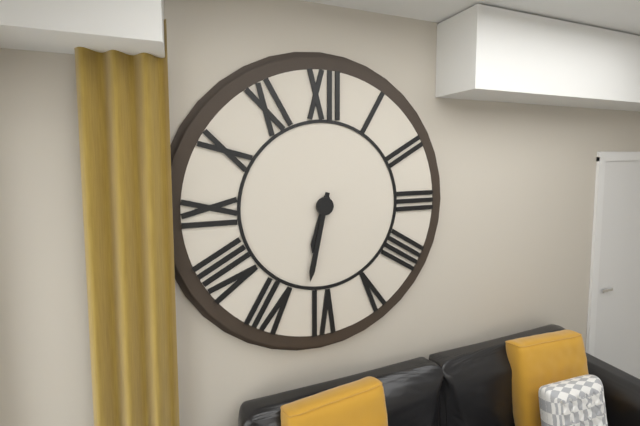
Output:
6 h 32 min
